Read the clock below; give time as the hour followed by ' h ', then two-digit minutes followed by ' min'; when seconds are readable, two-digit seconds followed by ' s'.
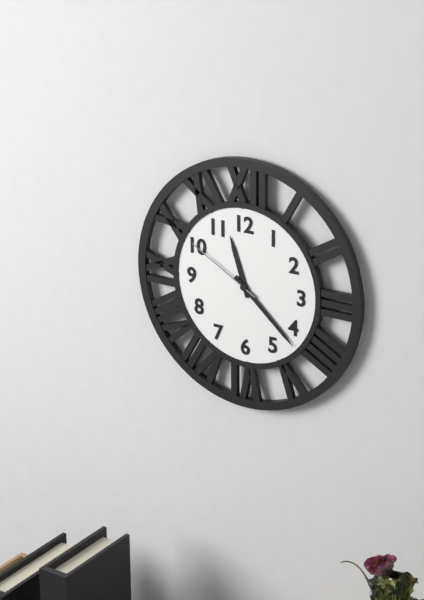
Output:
11 h 22 min 50 s
